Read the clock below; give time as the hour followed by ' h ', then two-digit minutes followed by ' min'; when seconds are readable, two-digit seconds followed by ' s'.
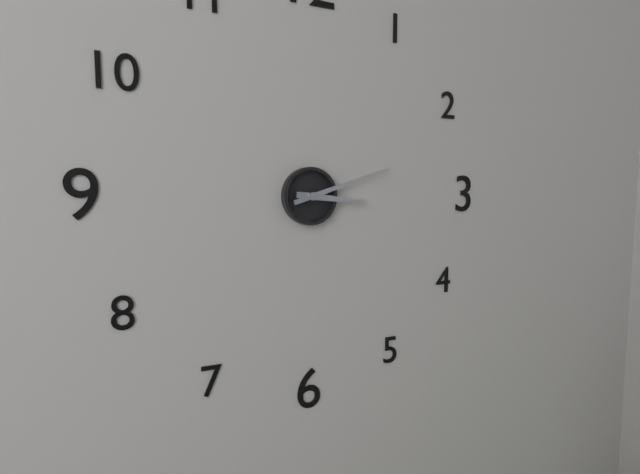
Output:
3 h 12 min
